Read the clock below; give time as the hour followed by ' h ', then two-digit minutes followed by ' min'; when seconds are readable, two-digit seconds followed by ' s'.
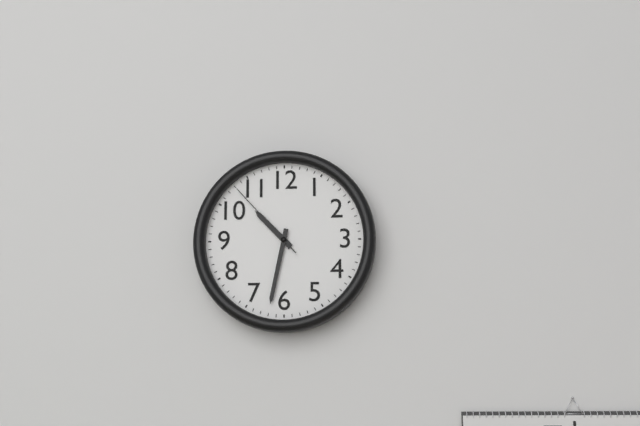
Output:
10 h 32 min 53 s
